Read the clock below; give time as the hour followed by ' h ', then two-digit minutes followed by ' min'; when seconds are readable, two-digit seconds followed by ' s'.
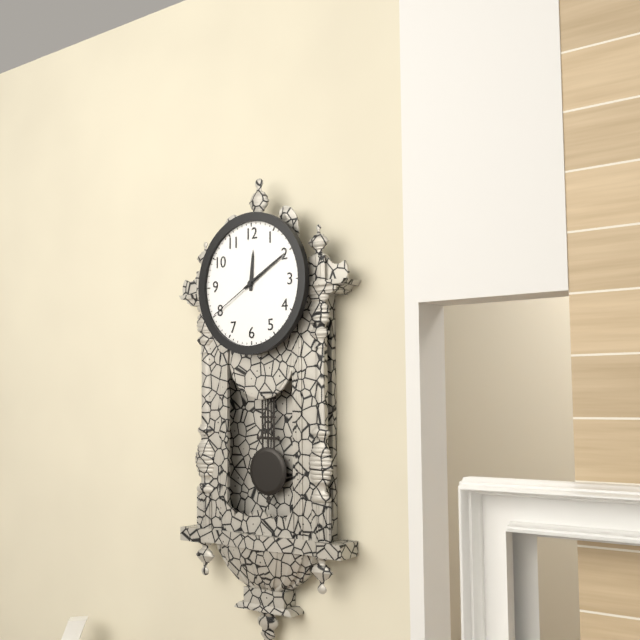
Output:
12 h 10 min 40 s
